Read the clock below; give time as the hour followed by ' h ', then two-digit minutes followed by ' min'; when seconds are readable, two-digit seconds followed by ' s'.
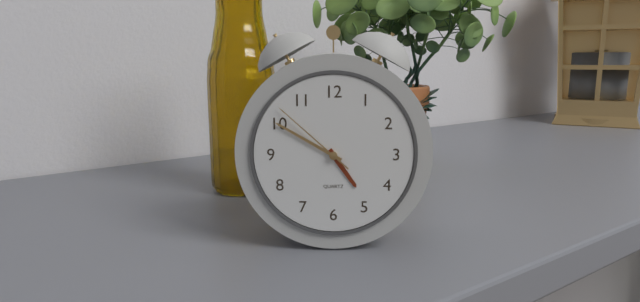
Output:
4 h 50 min 52 s
